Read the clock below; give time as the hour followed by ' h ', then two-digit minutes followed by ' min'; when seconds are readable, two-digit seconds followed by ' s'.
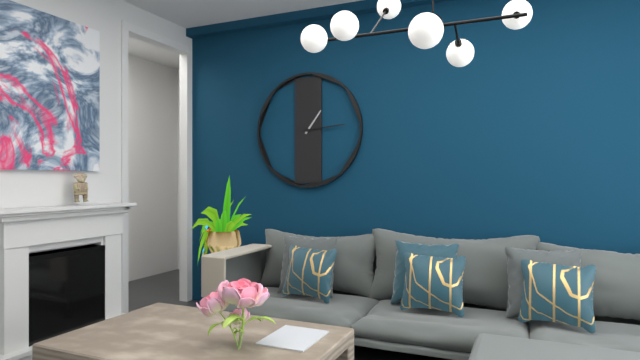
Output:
1 h 14 min
